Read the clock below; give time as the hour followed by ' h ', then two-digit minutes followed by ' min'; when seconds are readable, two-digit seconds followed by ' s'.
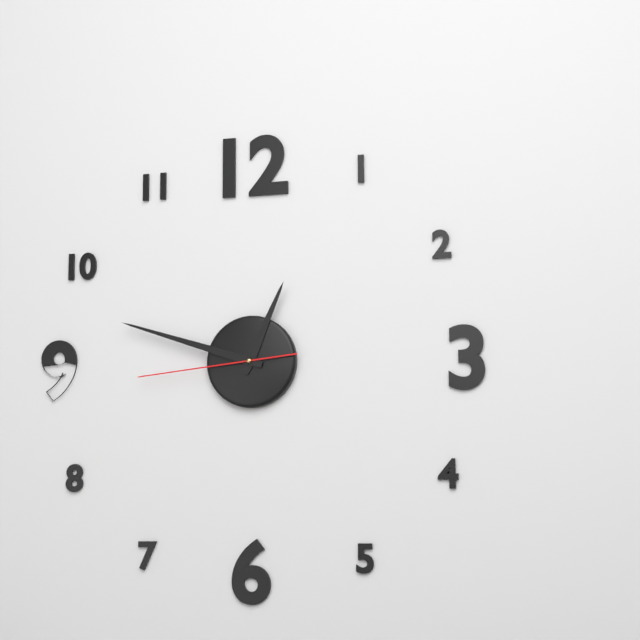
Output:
12 h 48 min 44 s
